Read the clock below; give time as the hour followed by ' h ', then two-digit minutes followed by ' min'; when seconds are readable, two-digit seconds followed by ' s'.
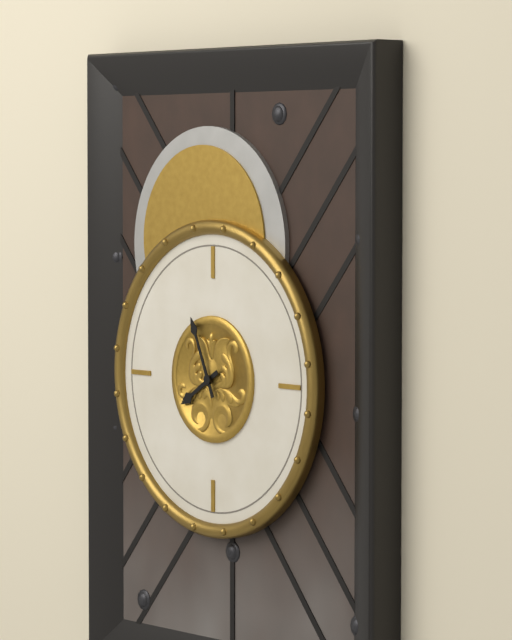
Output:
7 h 56 min
